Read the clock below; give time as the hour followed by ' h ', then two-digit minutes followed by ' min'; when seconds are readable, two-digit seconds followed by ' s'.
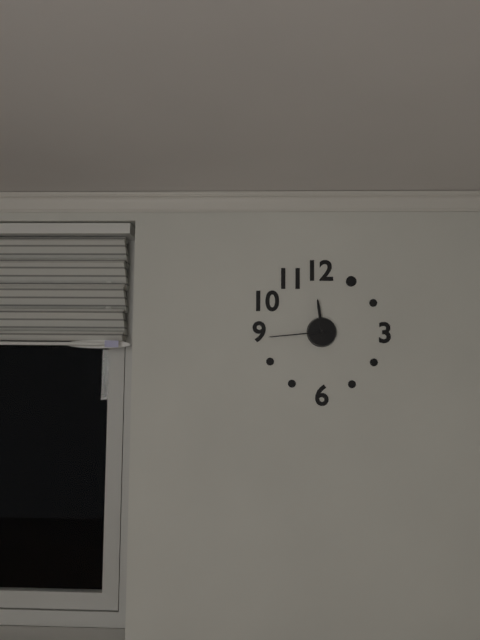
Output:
11 h 44 min
